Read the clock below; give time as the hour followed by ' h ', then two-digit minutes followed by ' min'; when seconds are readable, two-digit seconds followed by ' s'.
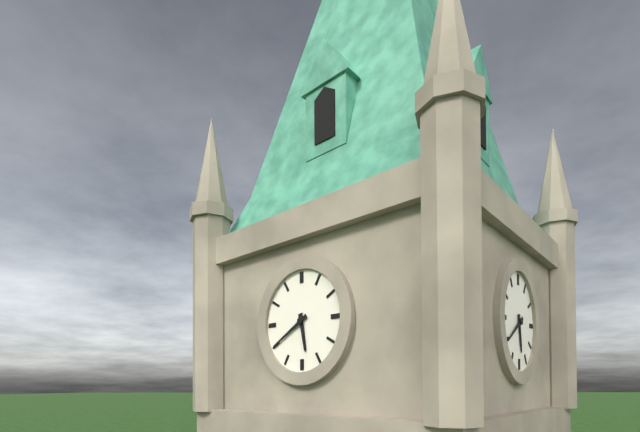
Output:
5 h 40 min
